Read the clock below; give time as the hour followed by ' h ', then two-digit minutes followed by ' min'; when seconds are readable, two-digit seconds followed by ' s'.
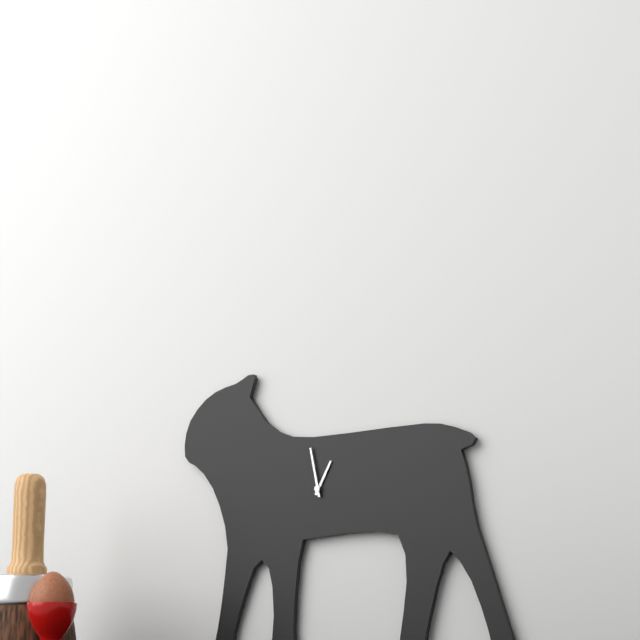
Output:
12 h 58 min
